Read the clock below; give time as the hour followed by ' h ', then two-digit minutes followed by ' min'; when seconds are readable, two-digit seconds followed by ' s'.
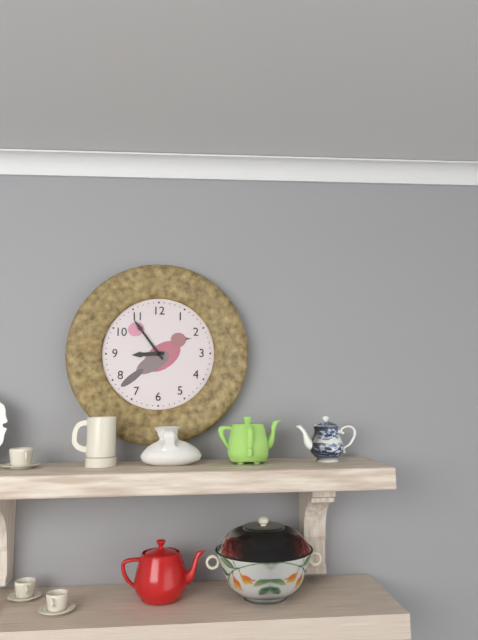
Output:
8 h 54 min
